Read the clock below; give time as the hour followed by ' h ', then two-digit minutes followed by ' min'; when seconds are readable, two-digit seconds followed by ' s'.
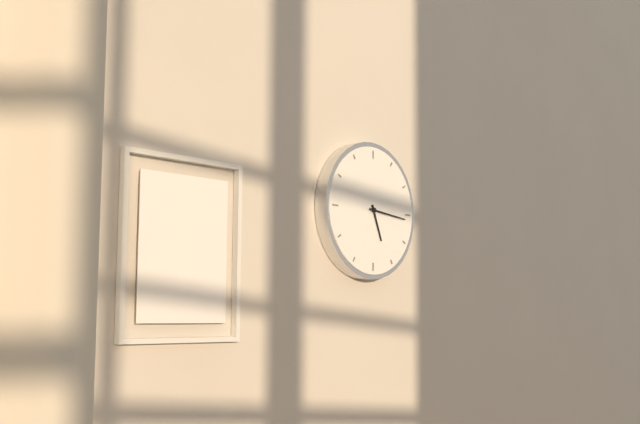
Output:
5 h 16 min
